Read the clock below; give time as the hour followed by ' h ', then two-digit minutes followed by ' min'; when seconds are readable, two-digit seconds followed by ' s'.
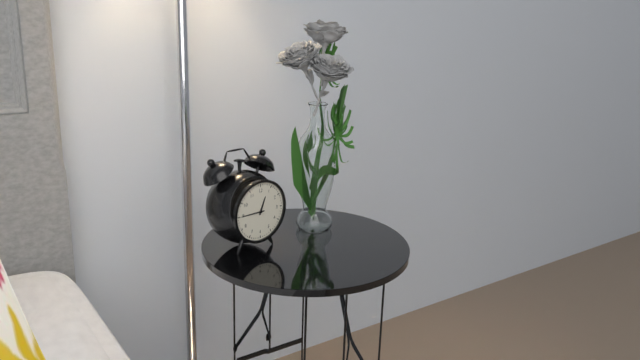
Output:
12 h 45 min
